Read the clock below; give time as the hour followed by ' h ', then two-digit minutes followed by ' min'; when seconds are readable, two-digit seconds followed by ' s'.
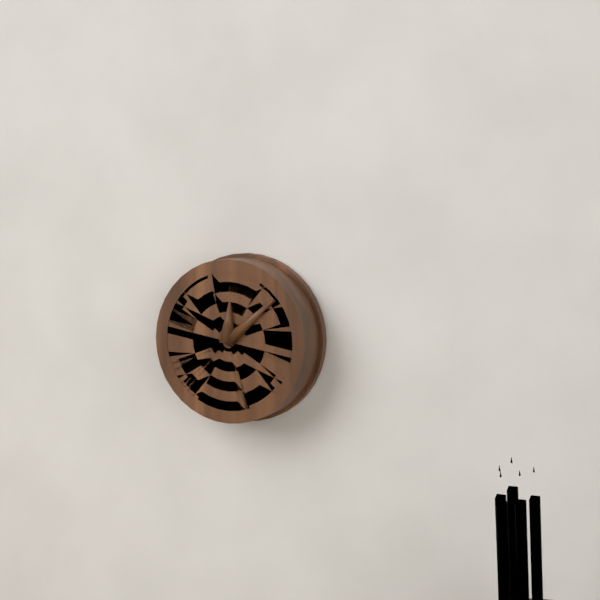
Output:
12 h 08 min
